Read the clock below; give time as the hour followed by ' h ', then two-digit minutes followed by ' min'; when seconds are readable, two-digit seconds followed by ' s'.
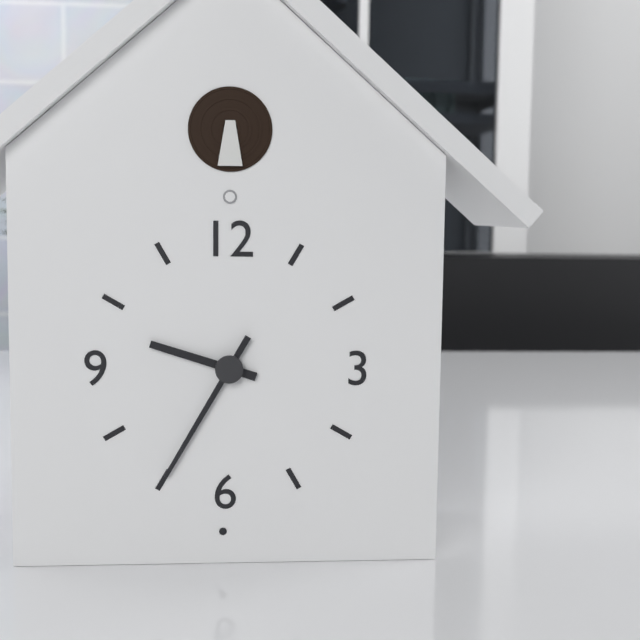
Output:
9 h 35 min
